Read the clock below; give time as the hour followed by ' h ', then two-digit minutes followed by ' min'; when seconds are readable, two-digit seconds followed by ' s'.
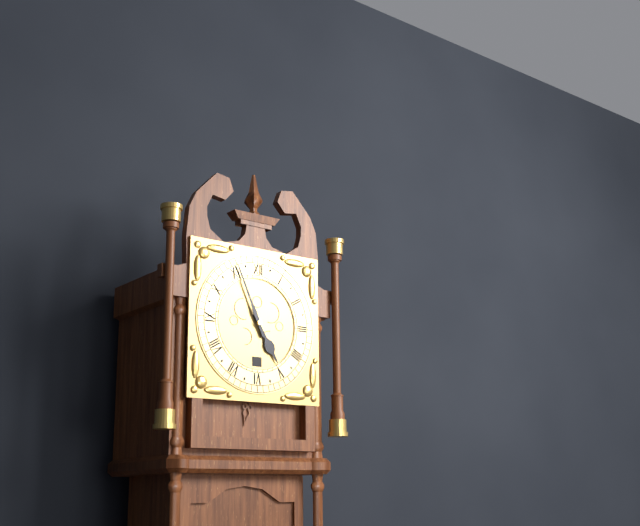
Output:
4 h 56 min
